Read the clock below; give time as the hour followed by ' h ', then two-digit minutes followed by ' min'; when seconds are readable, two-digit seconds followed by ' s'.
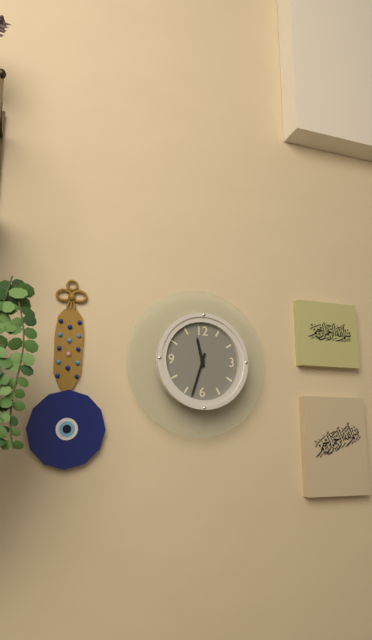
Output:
11 h 33 min
